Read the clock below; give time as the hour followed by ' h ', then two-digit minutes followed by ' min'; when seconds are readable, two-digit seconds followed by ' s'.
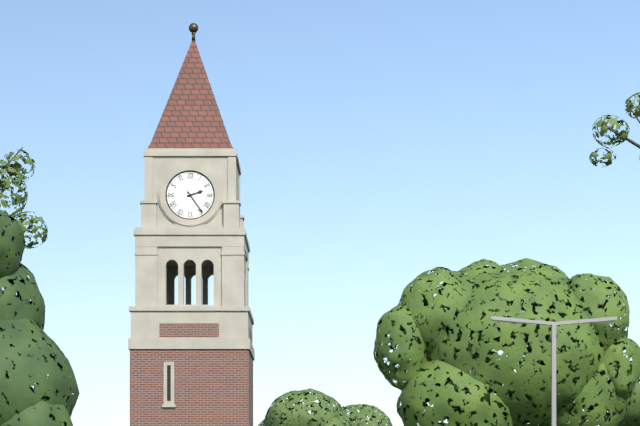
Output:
2 h 24 min
